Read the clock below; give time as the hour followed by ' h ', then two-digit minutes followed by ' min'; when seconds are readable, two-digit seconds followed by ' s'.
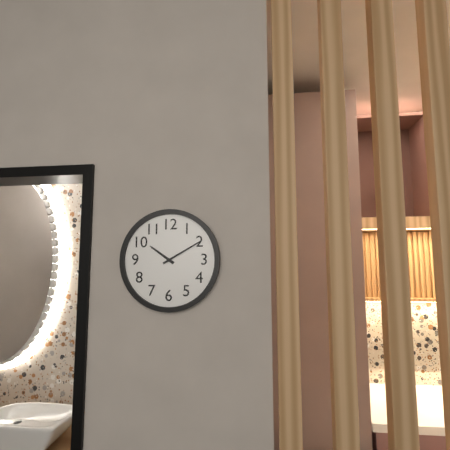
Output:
10 h 10 min
